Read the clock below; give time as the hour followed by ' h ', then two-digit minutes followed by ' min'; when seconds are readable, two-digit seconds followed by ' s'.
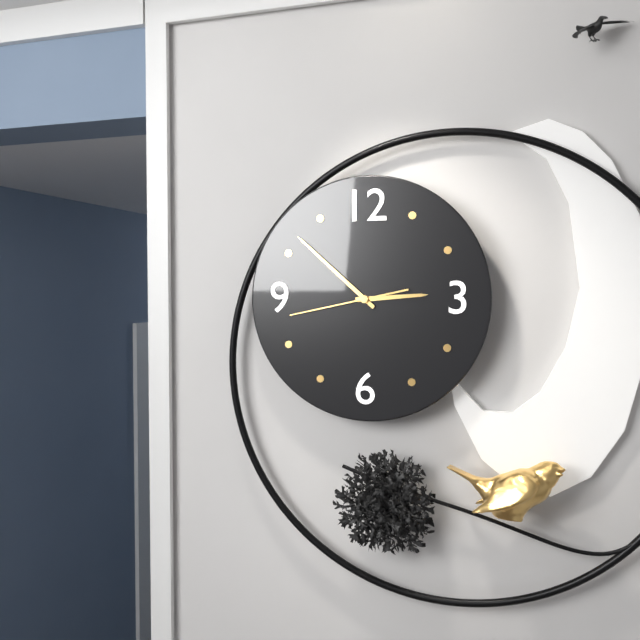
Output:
2 h 52 min 43 s
